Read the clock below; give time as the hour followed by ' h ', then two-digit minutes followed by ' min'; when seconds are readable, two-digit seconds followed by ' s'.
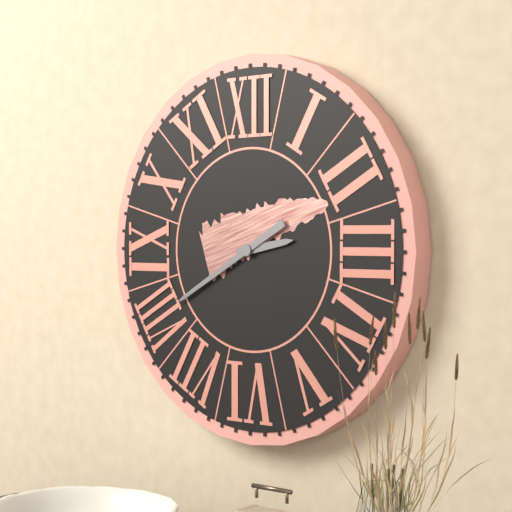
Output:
2 h 40 min
